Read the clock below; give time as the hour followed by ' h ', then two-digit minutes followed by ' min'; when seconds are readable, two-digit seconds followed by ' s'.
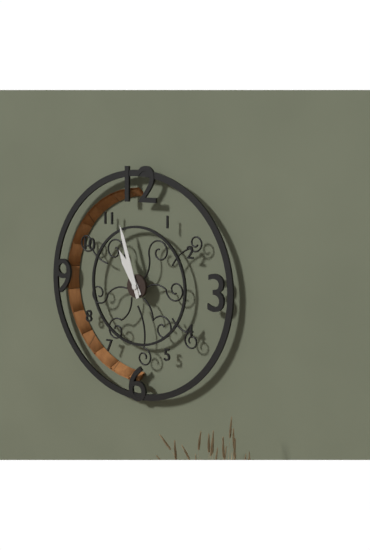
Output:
10 h 57 min
